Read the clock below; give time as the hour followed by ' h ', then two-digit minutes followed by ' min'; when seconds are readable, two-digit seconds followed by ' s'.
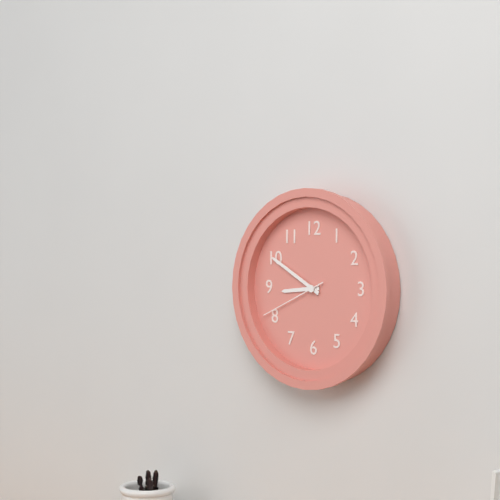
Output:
8 h 50 min 41 s
